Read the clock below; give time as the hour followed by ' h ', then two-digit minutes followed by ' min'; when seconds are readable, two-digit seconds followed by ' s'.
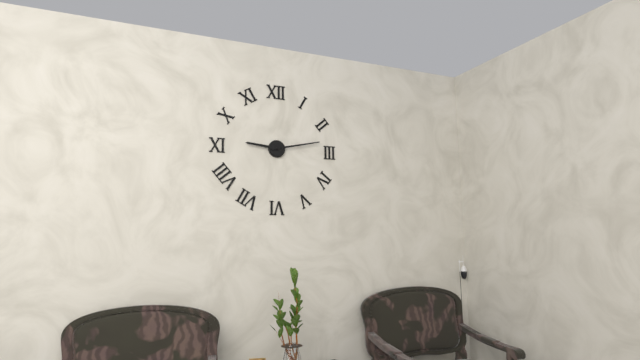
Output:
9 h 13 min
